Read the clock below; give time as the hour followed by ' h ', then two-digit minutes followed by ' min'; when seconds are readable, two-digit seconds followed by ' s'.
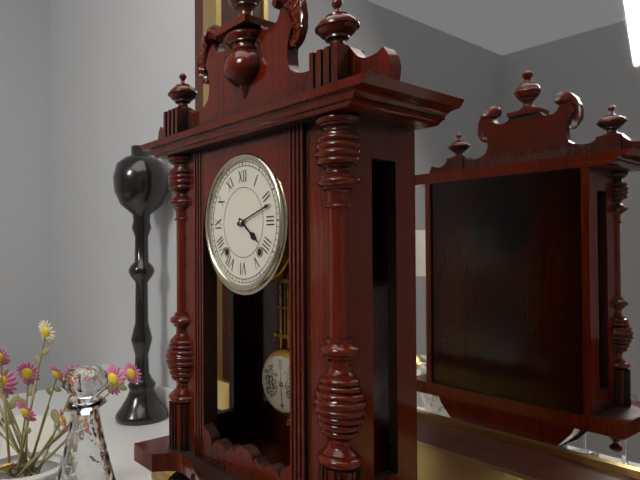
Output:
4 h 12 min
